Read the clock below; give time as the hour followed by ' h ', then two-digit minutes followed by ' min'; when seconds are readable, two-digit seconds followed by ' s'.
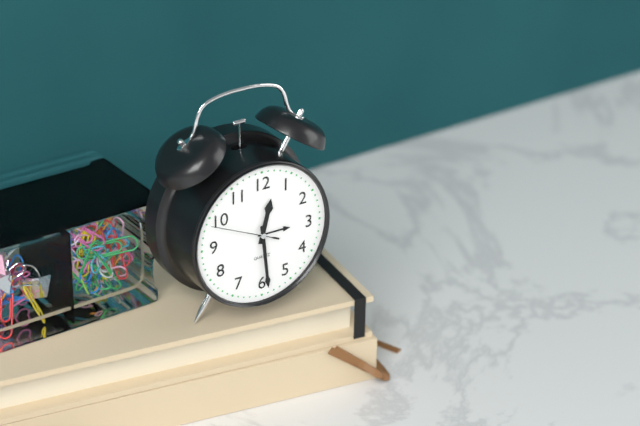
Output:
12 h 29 min 49 s
